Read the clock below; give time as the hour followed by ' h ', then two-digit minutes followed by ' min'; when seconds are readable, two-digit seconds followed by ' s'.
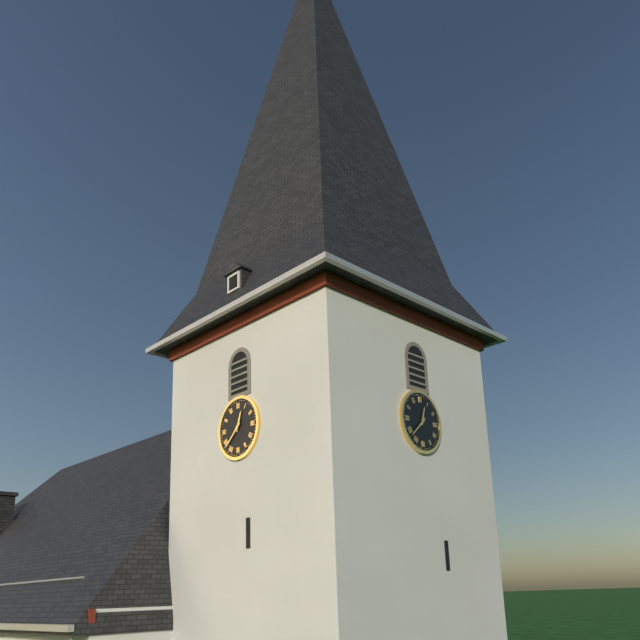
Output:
12 h 38 min
